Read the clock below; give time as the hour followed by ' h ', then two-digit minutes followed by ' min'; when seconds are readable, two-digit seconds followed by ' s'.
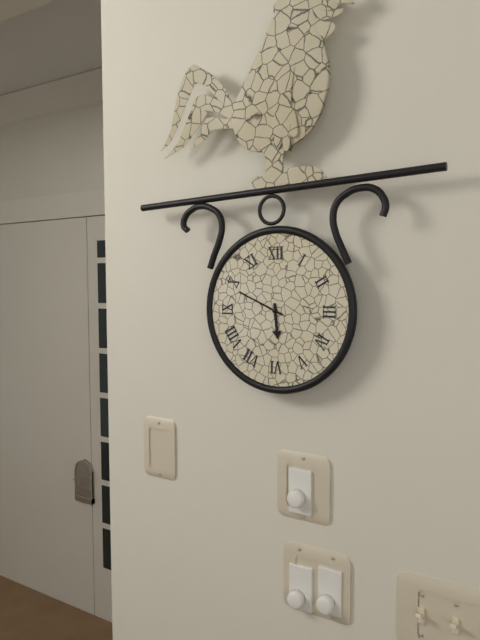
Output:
5 h 49 min
